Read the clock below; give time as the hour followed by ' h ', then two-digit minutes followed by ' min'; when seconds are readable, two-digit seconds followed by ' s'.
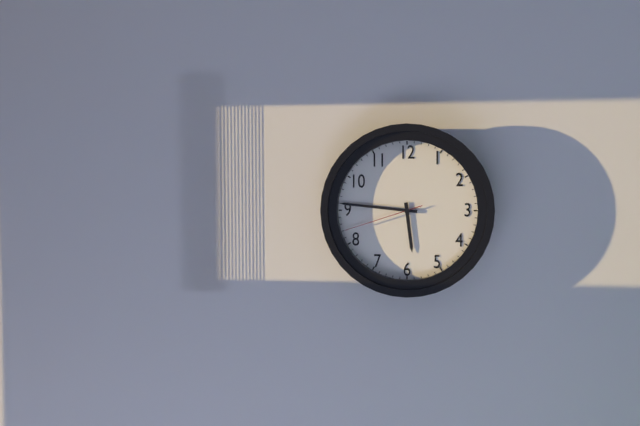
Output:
5 h 46 min 42 s
